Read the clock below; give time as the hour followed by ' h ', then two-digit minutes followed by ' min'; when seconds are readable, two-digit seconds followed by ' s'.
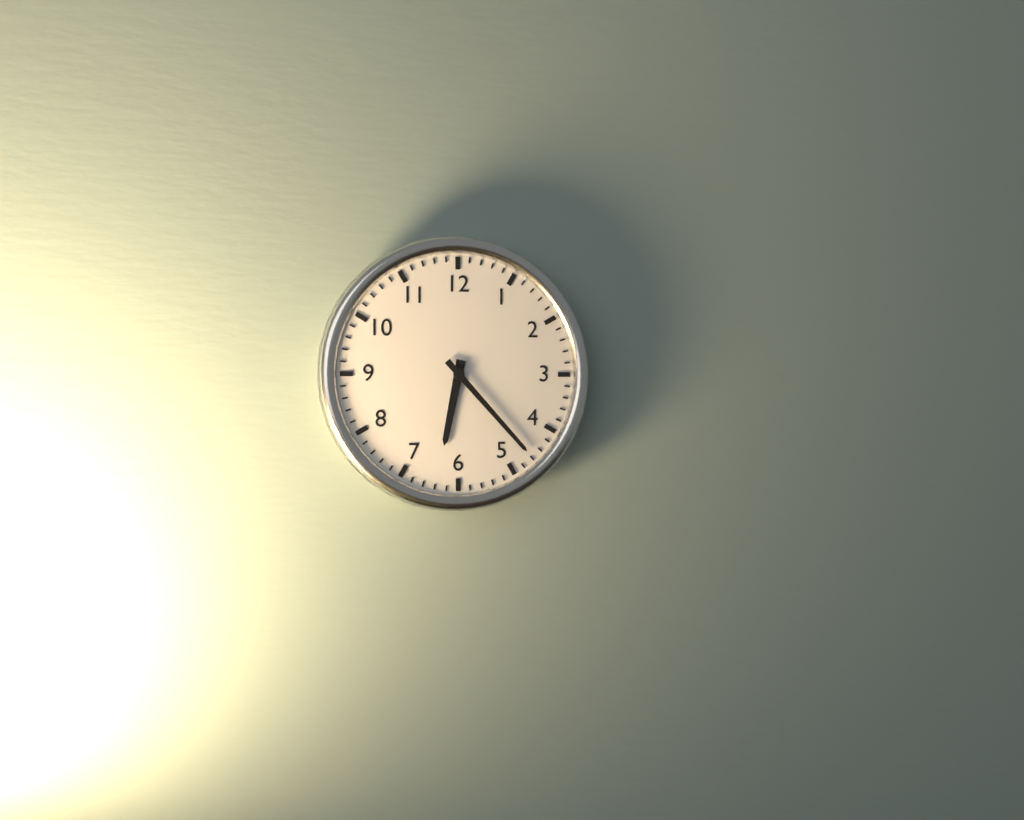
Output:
6 h 23 min
